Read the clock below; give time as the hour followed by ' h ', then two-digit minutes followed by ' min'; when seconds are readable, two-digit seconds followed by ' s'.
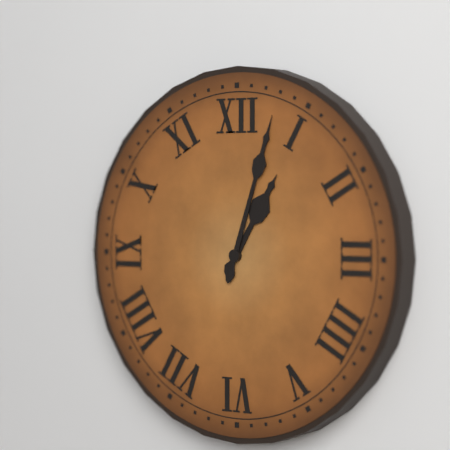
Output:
1 h 03 min
